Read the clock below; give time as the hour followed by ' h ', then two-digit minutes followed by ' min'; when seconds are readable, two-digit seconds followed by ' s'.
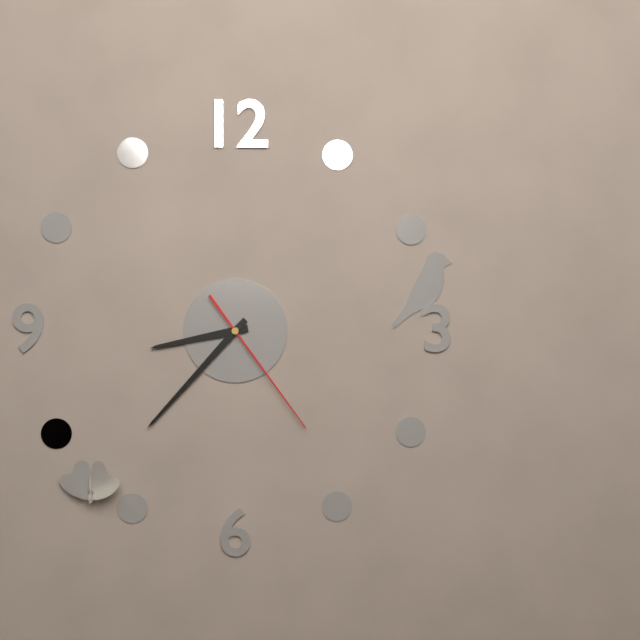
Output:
8 h 37 min 24 s
